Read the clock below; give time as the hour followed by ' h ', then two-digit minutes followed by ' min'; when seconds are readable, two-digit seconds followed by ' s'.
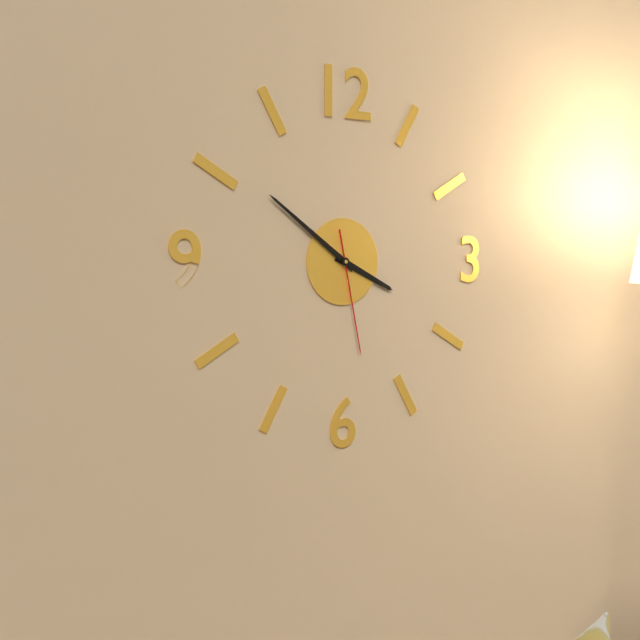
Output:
3 h 51 min 28 s
